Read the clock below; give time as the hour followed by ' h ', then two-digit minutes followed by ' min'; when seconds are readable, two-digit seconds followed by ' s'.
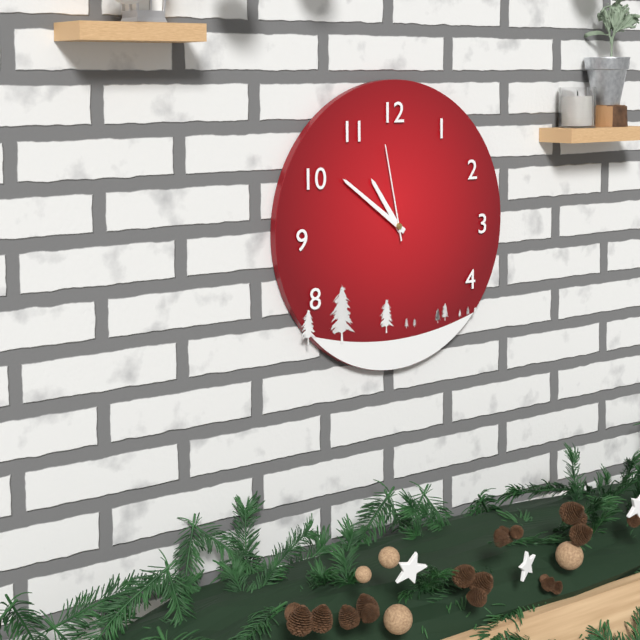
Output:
10 h 51 min 58 s
